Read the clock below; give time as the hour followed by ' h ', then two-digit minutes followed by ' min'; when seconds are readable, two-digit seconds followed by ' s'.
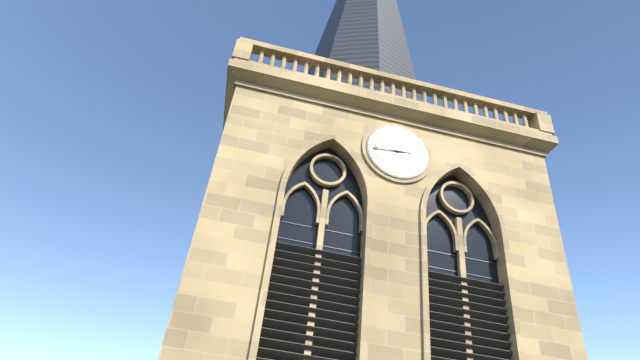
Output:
2 h 44 min
